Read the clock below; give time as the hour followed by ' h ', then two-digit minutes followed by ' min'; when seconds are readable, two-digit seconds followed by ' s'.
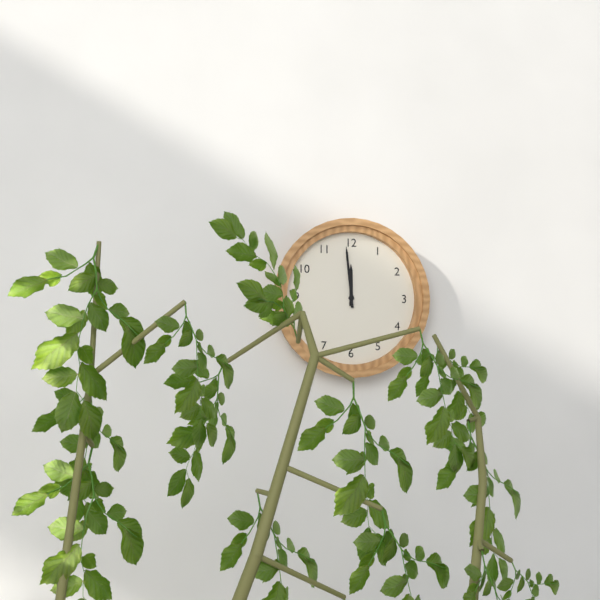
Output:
11 h 59 min
